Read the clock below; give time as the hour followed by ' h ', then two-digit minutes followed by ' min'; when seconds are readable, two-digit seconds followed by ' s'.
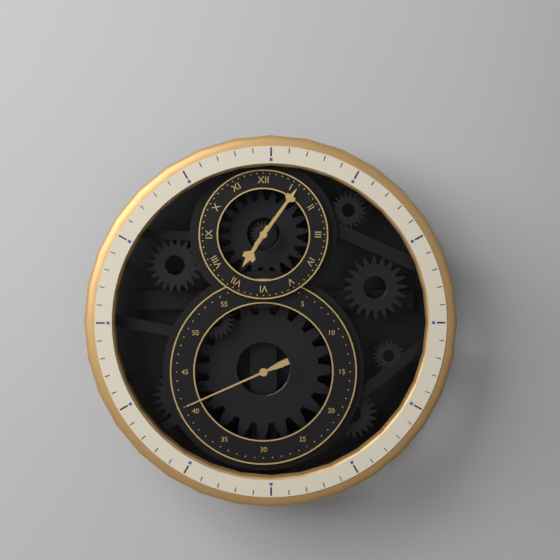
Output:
7 h 06 min 41 s
